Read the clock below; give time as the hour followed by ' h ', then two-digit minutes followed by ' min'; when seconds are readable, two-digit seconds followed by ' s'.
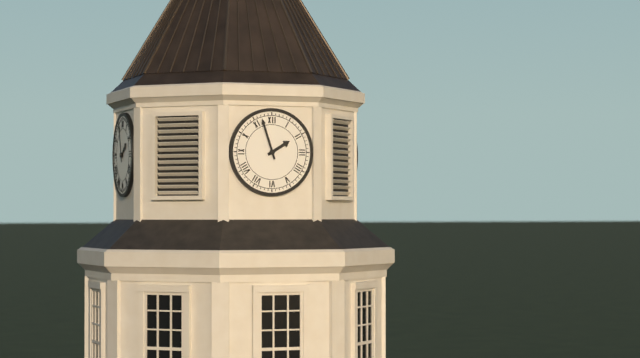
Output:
1 h 57 min
